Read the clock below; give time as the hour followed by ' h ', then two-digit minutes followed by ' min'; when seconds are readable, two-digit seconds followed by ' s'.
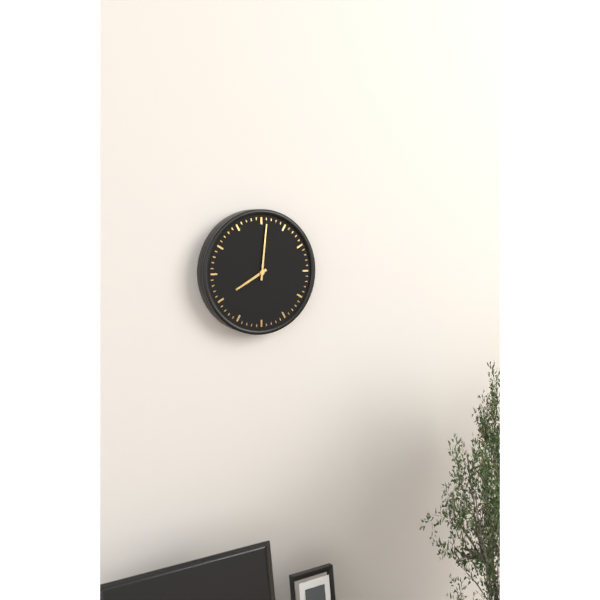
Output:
8 h 01 min
